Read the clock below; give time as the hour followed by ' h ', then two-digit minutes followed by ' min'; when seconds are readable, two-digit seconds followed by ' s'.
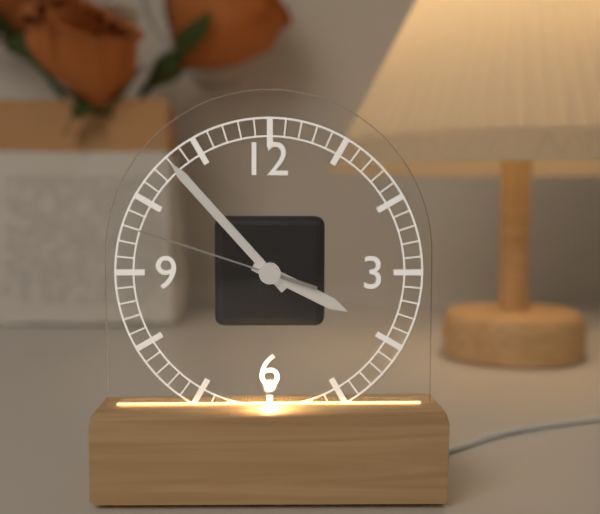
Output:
3 h 53 min 48 s
